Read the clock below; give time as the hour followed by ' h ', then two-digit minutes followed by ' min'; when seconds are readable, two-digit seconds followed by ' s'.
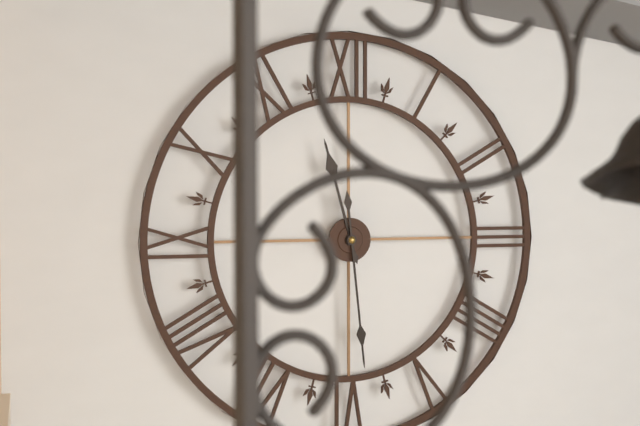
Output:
11 h 29 min
